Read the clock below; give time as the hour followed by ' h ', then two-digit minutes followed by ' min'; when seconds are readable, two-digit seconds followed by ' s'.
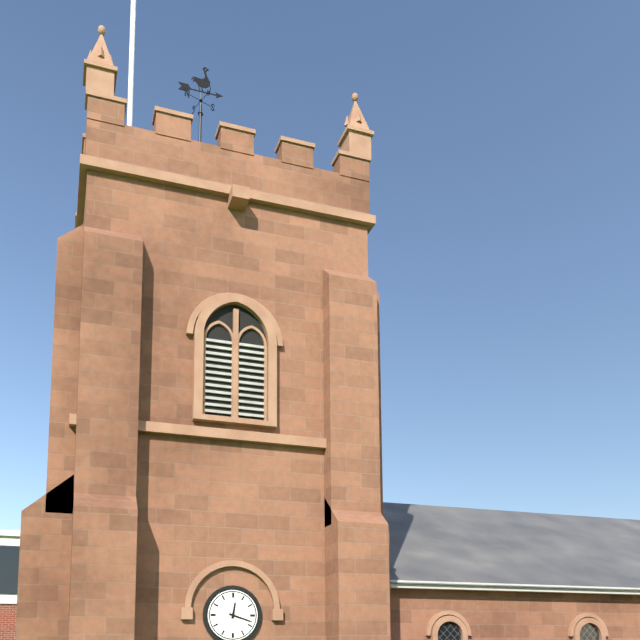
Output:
12 h 18 min
